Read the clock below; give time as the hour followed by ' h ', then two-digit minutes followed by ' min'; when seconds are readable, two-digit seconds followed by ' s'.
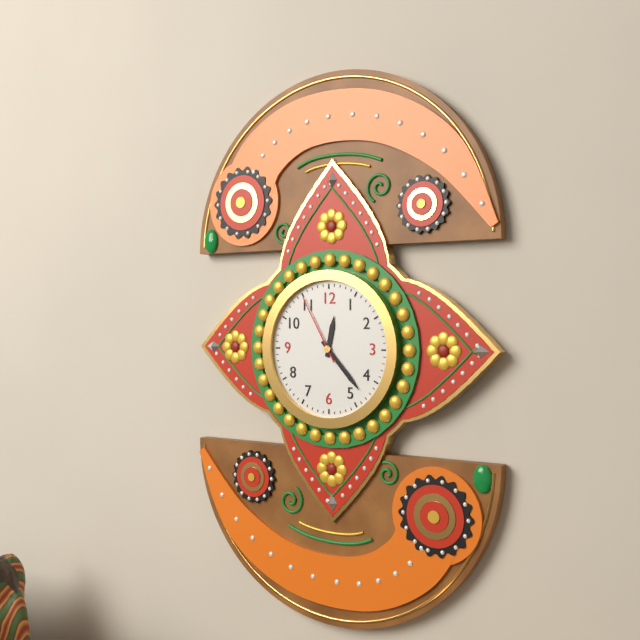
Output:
12 h 23 min 55 s
